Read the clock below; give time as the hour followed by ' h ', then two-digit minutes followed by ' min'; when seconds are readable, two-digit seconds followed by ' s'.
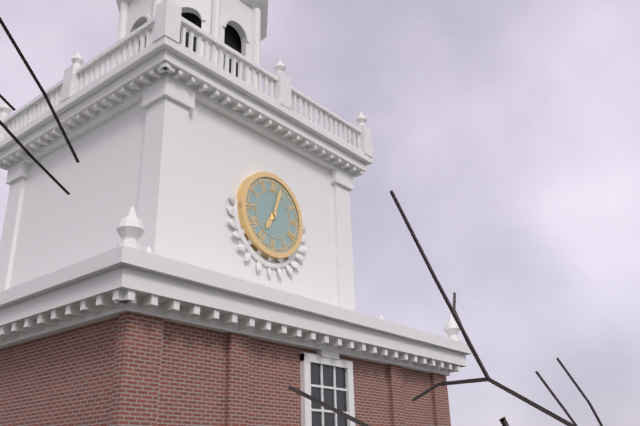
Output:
7 h 03 min
